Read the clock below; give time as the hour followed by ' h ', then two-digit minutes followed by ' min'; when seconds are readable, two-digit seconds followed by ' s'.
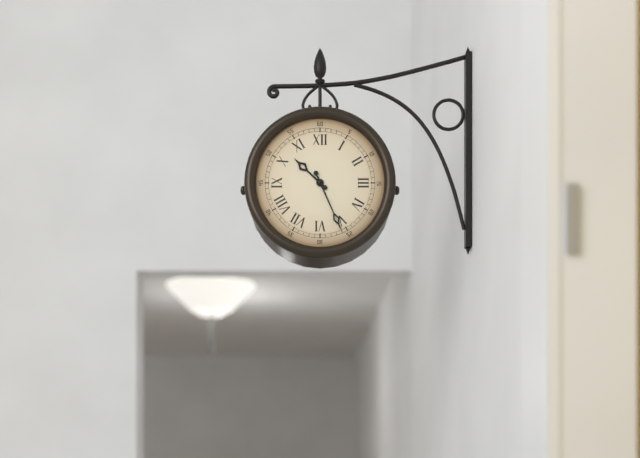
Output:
10 h 26 min
